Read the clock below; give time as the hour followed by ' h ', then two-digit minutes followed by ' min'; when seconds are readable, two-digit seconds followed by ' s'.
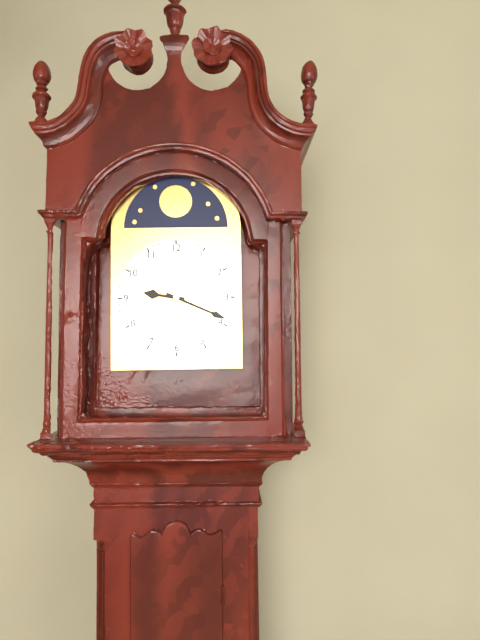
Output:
9 h 19 min
